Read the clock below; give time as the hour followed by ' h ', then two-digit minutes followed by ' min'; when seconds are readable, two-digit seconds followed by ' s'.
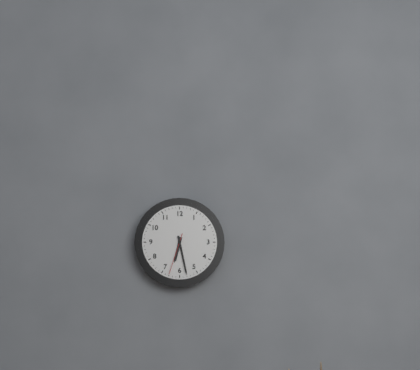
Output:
6 h 28 min
